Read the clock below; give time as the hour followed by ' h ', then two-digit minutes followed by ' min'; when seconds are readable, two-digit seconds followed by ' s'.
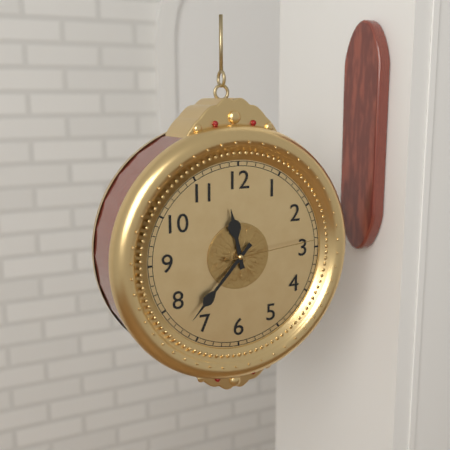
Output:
11 h 37 min 14 s
